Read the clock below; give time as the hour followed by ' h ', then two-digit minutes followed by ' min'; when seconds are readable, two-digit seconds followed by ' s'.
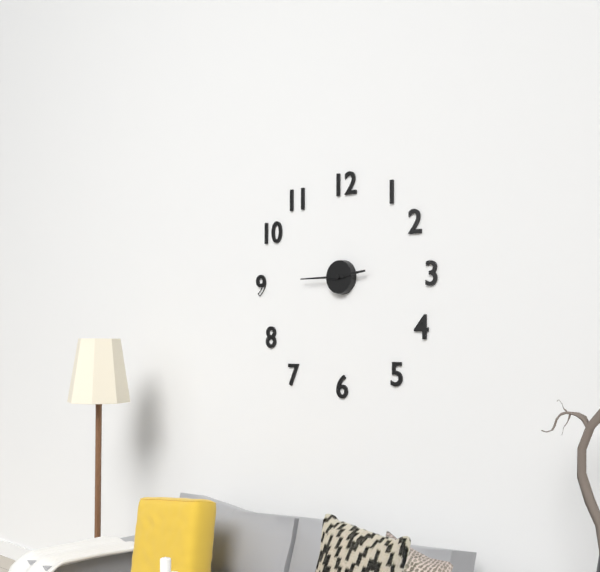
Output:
2 h 45 min
